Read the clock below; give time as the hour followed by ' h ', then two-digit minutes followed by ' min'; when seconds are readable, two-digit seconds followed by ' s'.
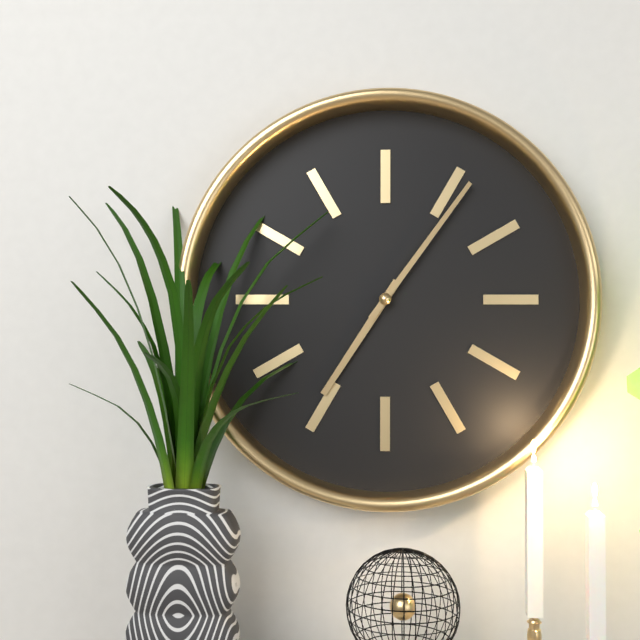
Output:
7 h 06 min
